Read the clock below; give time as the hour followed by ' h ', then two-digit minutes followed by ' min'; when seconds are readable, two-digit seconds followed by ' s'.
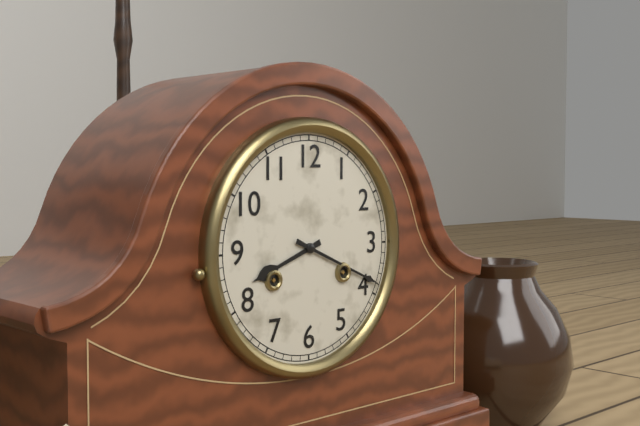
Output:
8 h 19 min
